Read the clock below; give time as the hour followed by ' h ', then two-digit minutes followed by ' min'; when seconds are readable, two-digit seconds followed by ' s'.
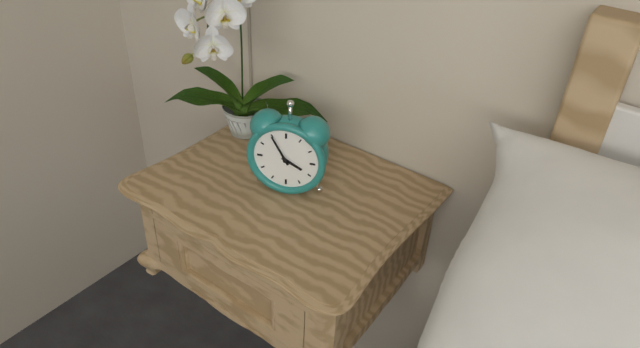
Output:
3 h 55 min
